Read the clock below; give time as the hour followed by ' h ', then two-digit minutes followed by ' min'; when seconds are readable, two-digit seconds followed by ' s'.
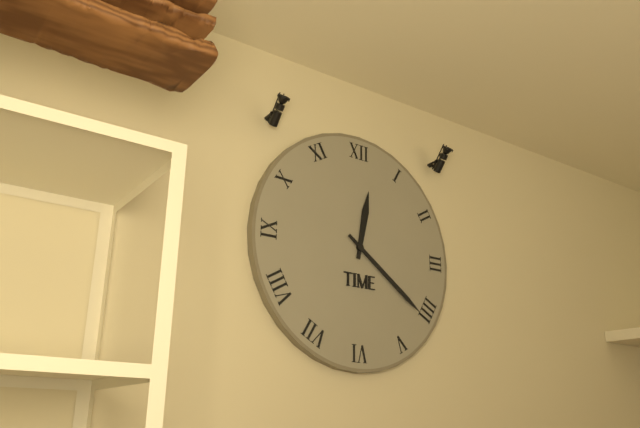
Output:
12 h 21 min
